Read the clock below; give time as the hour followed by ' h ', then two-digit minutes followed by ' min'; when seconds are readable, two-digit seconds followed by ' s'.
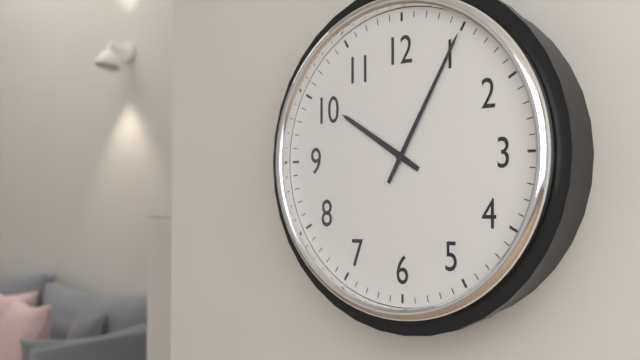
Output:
10 h 05 min
